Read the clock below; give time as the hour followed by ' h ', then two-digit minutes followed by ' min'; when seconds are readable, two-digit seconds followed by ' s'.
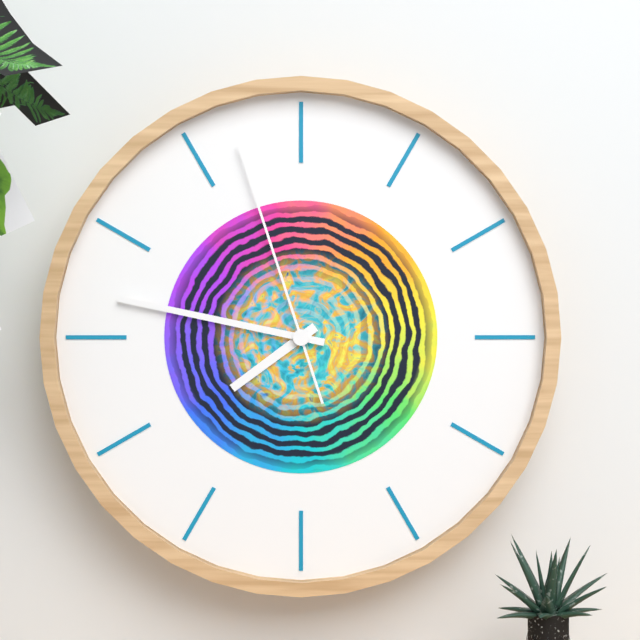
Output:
7 h 47 min 57 s
